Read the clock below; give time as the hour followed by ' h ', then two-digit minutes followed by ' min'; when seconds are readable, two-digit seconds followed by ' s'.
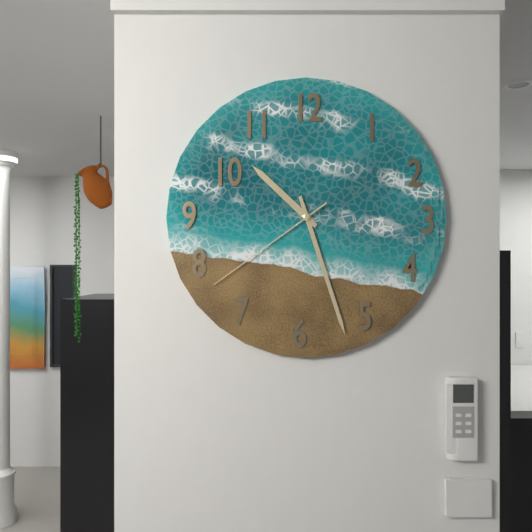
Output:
10 h 27 min 39 s
